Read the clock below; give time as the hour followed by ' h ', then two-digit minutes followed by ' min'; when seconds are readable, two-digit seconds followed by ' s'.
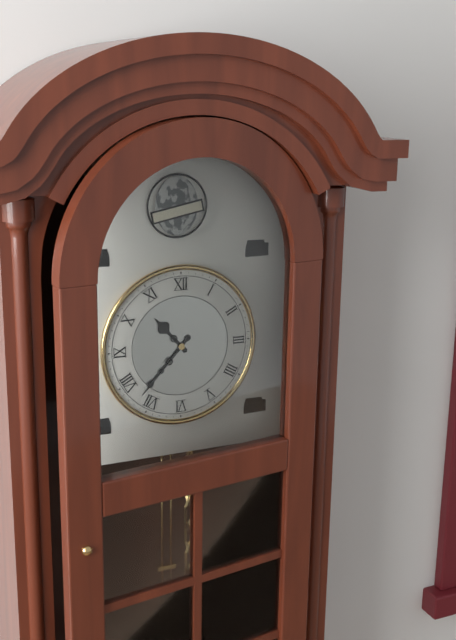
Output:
10 h 37 min
